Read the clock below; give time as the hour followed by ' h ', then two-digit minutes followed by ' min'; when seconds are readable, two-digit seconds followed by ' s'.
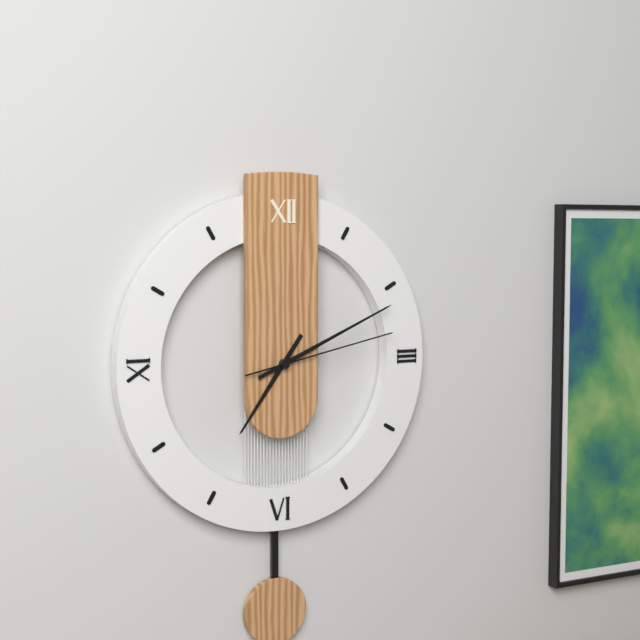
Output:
7 h 11 min 13 s
